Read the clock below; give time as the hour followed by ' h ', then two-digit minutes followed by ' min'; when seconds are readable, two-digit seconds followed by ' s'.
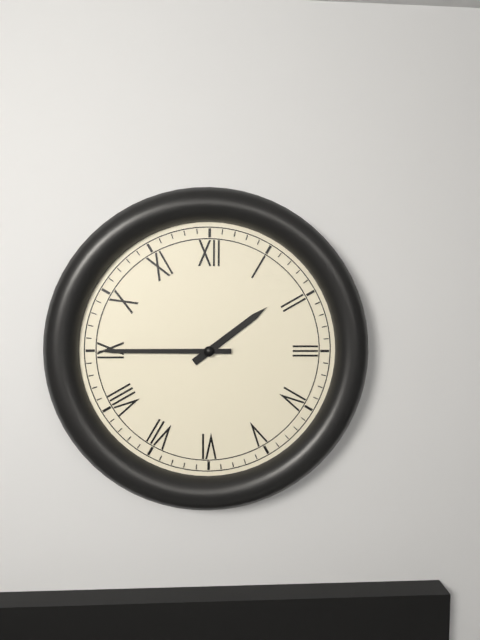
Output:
1 h 45 min
